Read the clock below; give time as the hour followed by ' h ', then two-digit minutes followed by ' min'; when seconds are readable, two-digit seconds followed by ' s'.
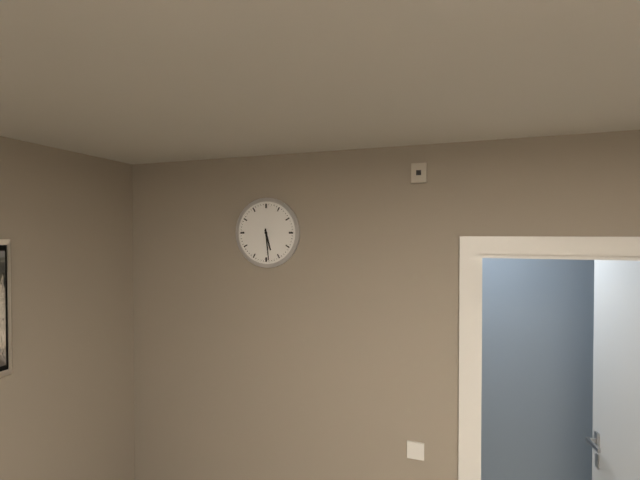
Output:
5 h 29 min
